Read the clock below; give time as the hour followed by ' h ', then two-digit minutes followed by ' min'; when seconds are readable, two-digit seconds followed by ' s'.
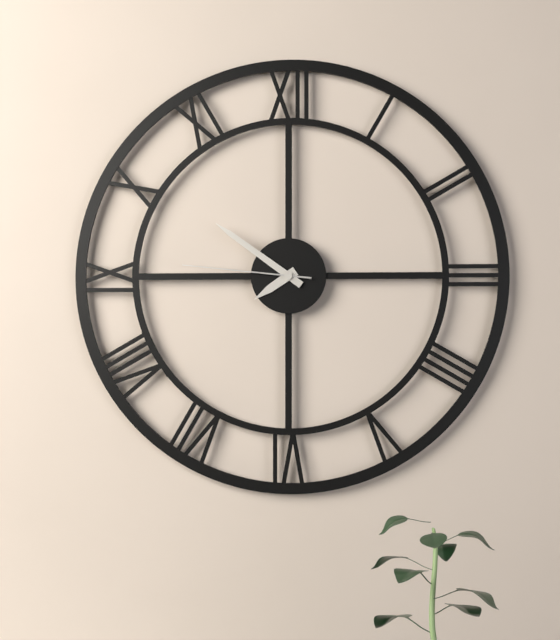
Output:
7 h 51 min 46 s
